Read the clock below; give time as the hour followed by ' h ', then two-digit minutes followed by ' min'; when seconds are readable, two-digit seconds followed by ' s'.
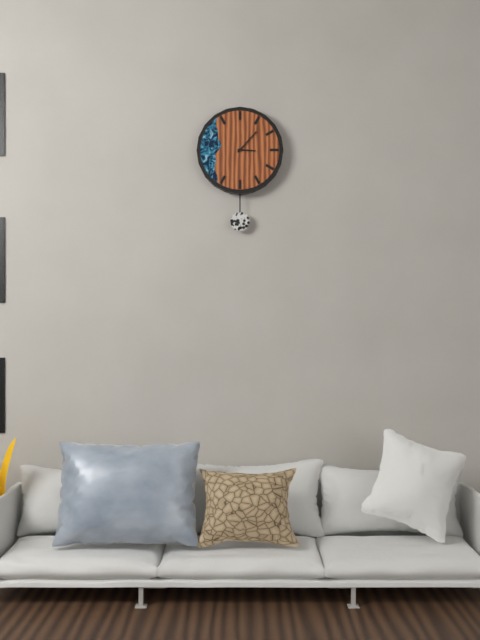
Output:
3 h 07 min
